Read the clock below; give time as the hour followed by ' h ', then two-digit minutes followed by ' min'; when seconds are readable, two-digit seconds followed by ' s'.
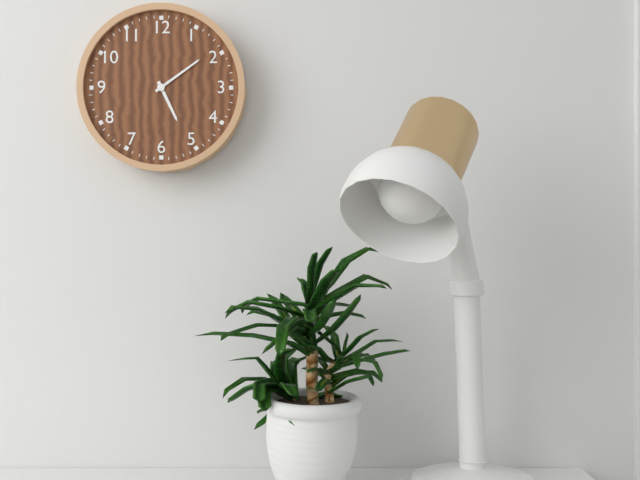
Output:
5 h 09 min
